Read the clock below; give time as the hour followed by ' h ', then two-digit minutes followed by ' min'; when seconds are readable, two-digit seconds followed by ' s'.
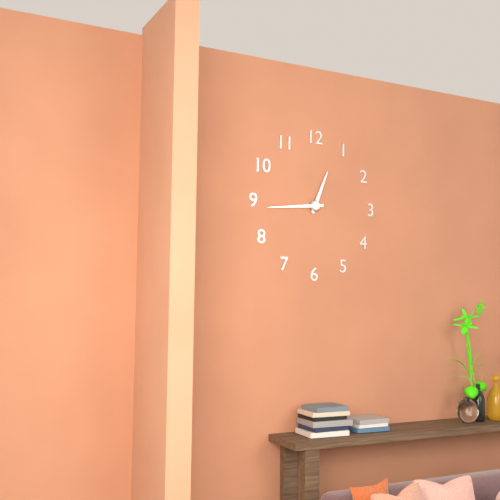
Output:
12 h 44 min
